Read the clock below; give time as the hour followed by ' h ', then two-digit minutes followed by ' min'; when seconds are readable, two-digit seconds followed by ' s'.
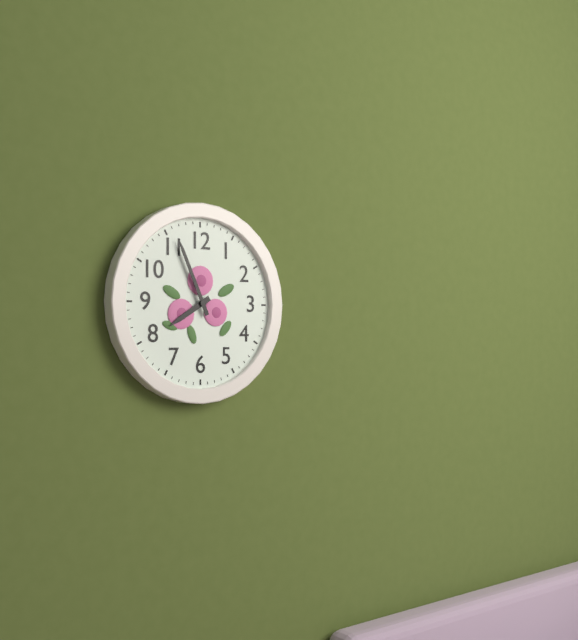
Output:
7 h 56 min
